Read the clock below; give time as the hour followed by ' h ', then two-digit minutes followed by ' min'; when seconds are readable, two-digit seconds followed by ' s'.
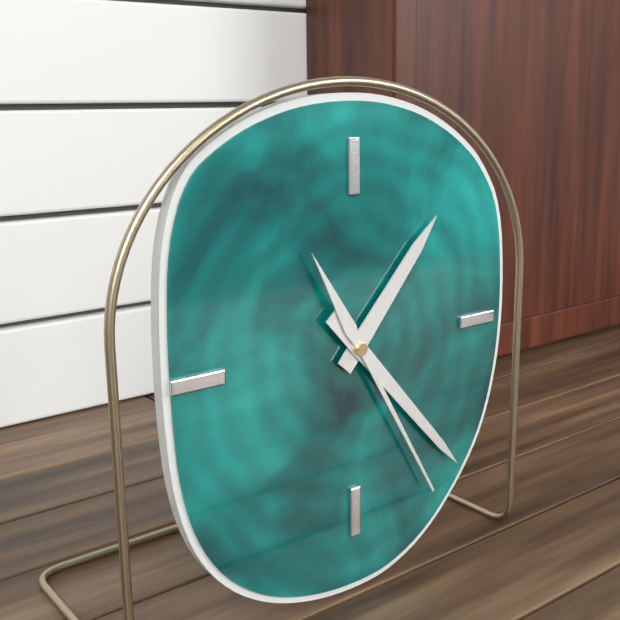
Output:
1 h 23 min 25 s
